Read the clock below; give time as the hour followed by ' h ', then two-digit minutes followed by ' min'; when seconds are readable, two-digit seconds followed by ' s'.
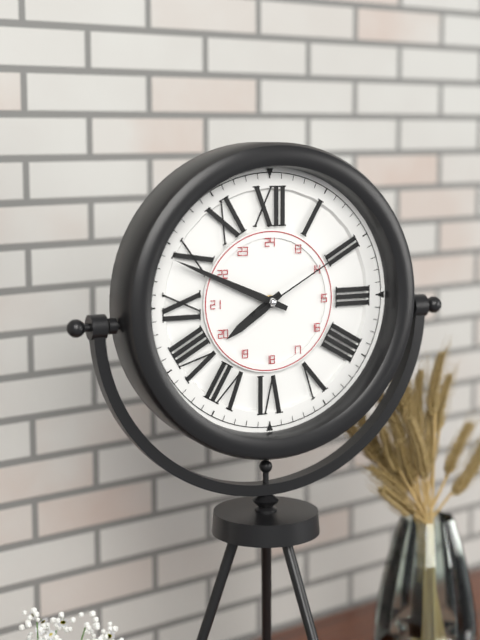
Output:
7 h 49 min 10 s
